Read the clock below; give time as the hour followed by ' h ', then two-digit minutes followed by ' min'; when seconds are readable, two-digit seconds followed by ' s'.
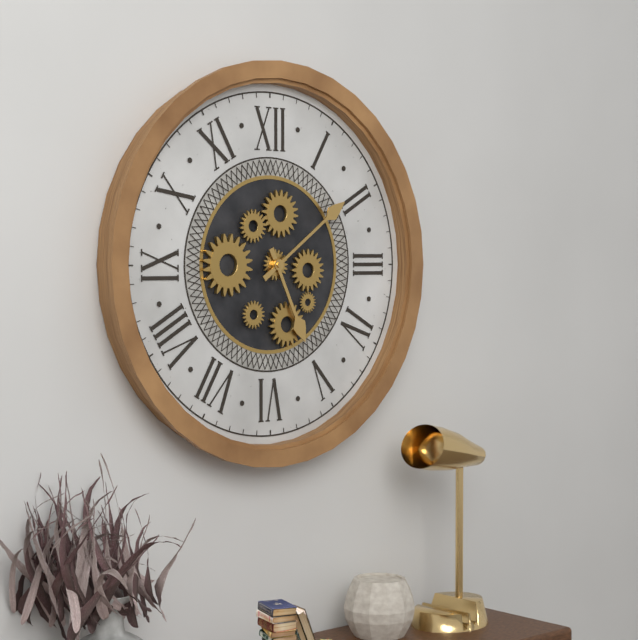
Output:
5 h 09 min
